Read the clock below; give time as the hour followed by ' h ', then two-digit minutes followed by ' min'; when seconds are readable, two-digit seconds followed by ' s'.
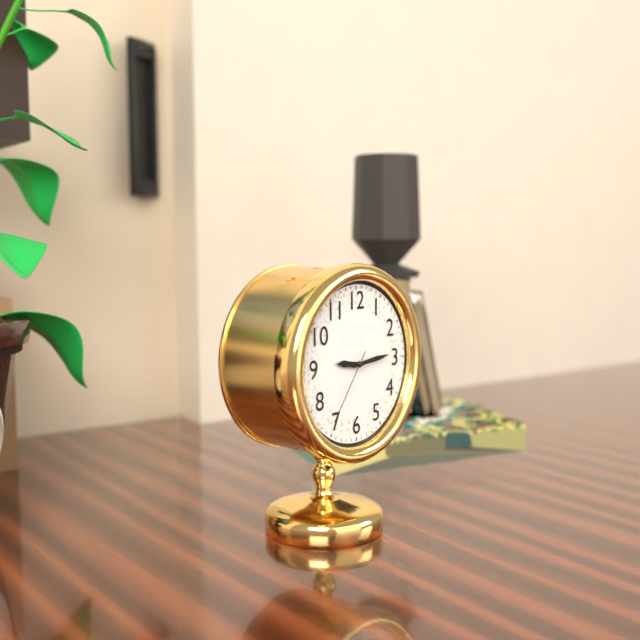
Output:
9 h 14 min 36 s
